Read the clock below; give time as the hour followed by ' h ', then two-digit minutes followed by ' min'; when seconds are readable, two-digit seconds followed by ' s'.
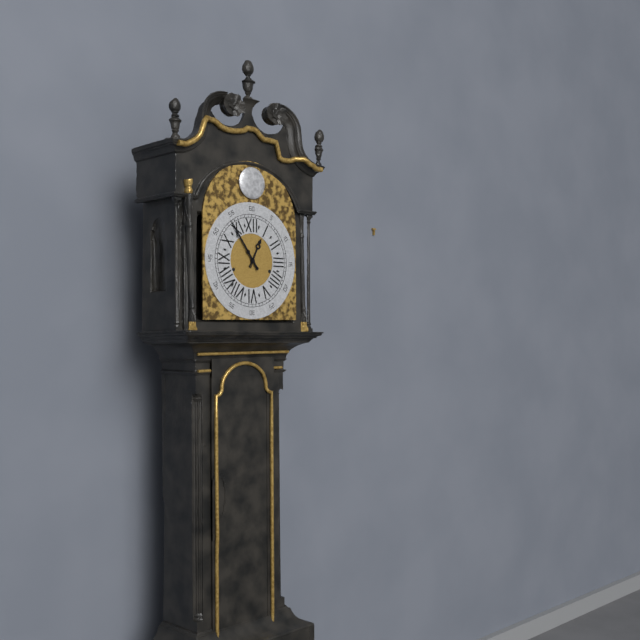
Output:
12 h 54 min
